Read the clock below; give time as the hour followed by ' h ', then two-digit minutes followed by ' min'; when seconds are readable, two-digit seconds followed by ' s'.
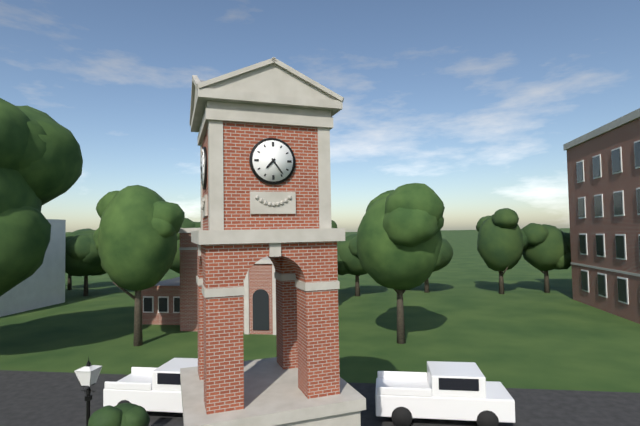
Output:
7 h 24 min
